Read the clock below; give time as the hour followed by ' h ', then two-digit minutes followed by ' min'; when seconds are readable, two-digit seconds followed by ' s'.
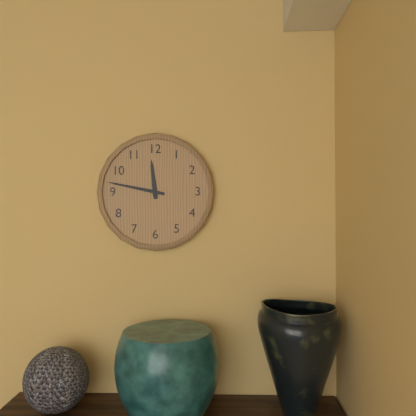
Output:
11 h 47 min
